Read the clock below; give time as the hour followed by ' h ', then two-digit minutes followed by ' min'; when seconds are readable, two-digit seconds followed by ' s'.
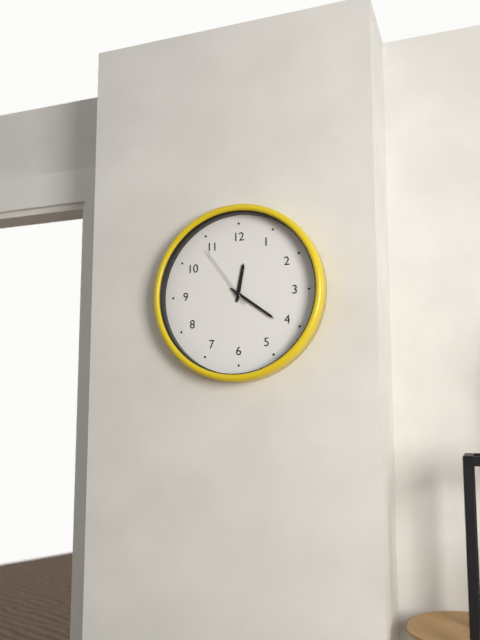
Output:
12 h 21 min 54 s
